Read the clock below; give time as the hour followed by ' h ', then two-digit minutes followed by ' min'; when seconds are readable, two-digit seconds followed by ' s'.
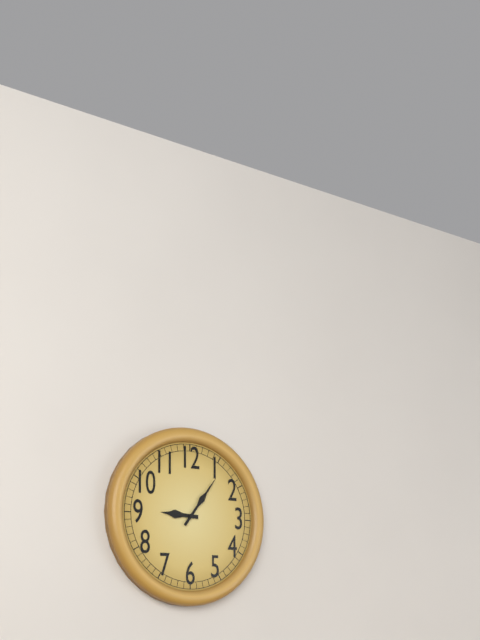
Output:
9 h 06 min
